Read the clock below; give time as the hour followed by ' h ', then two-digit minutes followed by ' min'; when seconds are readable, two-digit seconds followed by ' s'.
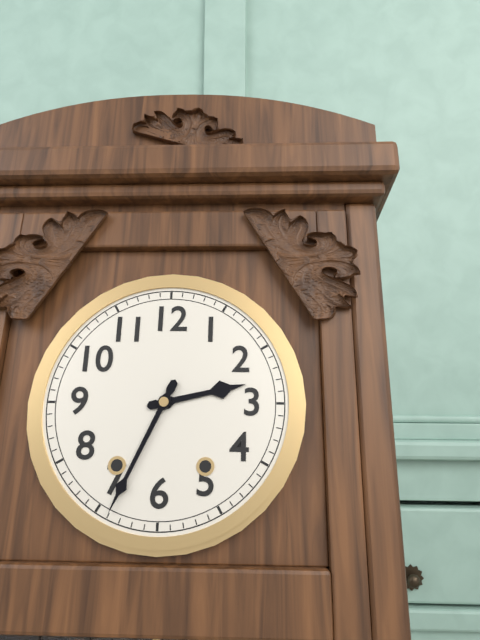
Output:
2 h 34 min
